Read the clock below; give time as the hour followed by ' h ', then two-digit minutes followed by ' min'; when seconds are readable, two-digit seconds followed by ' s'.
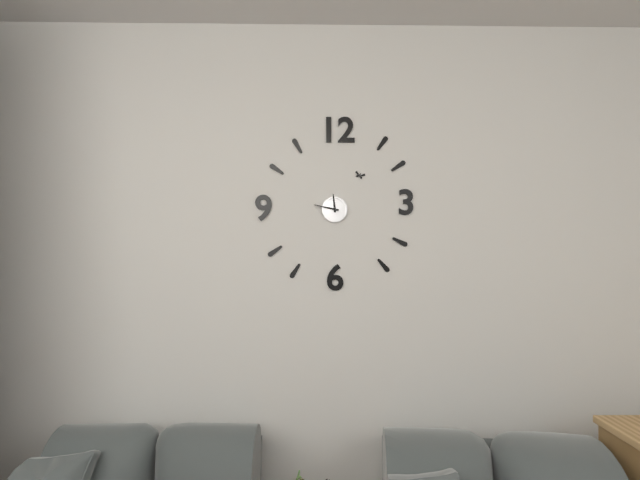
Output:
11 h 47 min
